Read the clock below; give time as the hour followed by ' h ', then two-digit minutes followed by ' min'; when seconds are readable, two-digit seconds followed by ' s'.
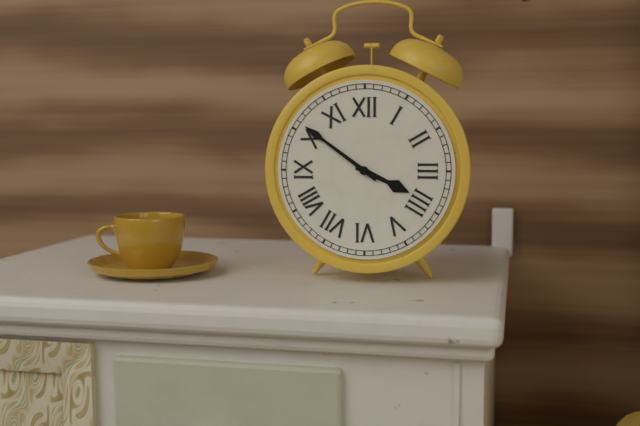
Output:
3 h 51 min
